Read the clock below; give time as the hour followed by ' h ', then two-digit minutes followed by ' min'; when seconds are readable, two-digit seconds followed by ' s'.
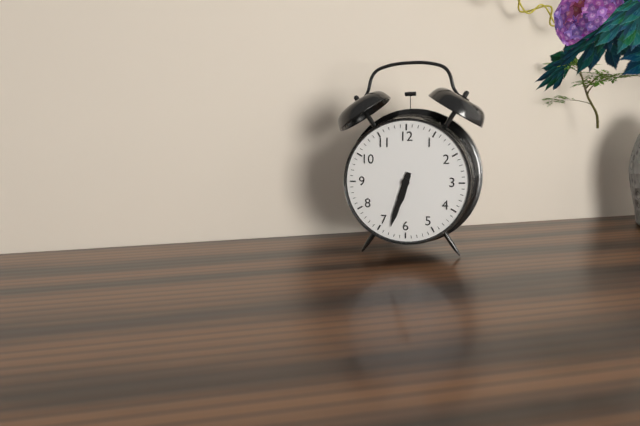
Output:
6 h 33 min
